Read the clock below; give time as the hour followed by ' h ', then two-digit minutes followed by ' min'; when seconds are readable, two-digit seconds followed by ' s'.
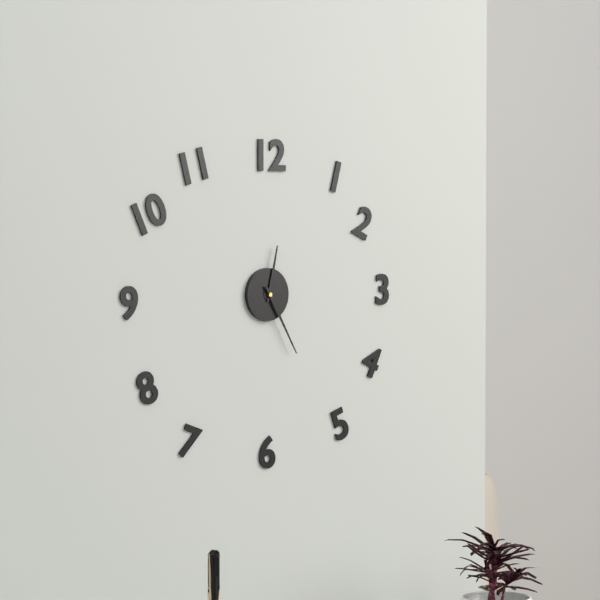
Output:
12 h 25 min
